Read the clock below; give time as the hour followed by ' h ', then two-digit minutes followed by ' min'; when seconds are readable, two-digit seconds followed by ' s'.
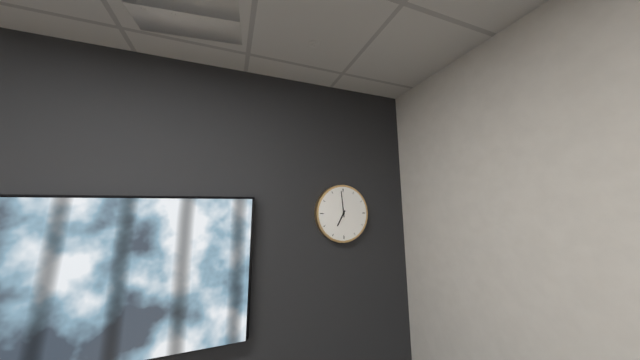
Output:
6 h 59 min
